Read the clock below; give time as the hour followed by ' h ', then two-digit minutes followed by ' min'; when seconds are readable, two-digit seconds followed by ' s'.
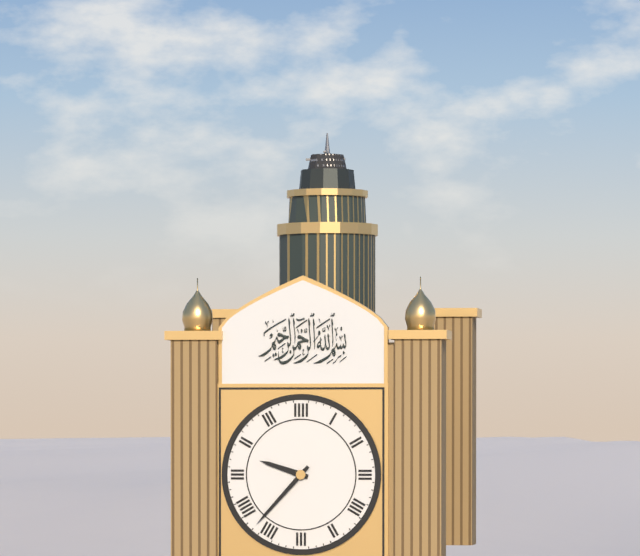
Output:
9 h 37 min
